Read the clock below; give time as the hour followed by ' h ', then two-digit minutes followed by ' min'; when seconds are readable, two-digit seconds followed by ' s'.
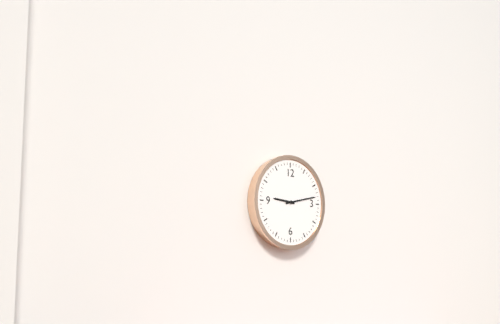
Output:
9 h 13 min
